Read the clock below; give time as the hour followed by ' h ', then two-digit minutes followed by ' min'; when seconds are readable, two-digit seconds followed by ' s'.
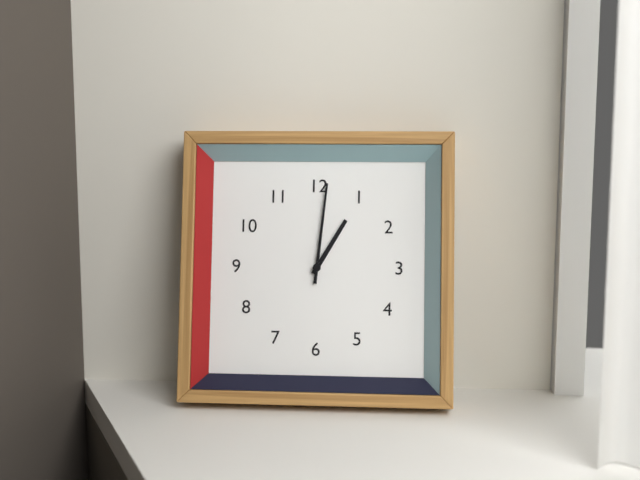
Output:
1 h 01 min
